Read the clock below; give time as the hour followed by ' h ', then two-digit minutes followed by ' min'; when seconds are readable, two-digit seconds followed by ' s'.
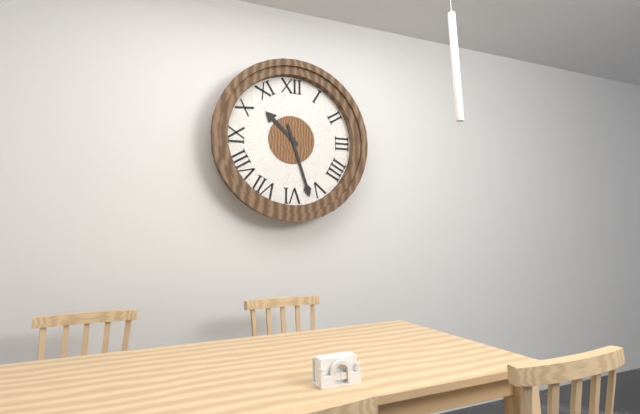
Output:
10 h 27 min
